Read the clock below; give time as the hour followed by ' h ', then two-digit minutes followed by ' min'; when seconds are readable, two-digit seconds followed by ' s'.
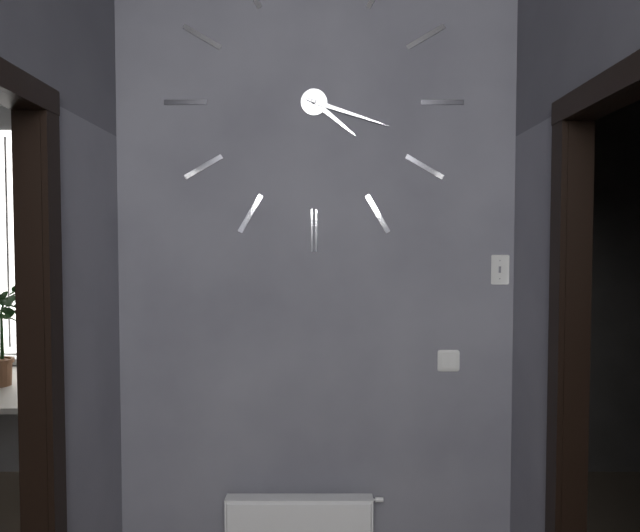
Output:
4 h 18 min
